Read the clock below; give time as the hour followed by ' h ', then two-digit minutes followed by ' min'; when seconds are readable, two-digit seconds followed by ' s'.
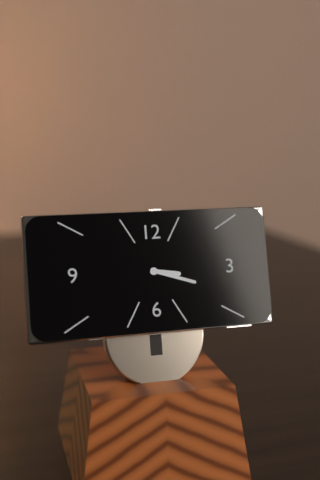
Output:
3 h 18 min
